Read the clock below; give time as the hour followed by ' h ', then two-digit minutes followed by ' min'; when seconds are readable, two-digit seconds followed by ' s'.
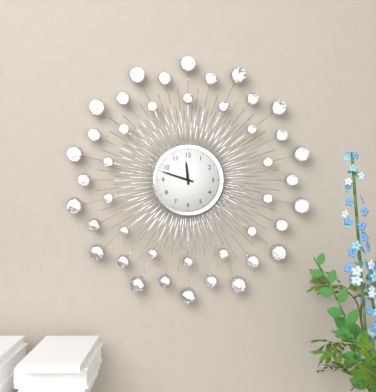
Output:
11 h 48 min
